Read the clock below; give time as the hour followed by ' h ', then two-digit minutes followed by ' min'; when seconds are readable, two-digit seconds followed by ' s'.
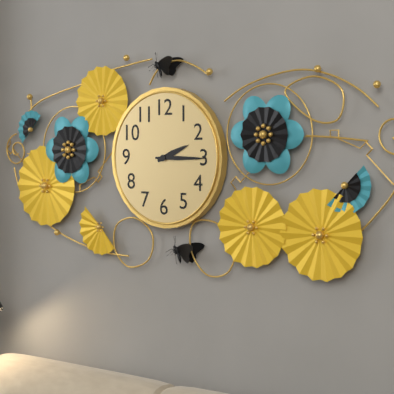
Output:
2 h 15 min
